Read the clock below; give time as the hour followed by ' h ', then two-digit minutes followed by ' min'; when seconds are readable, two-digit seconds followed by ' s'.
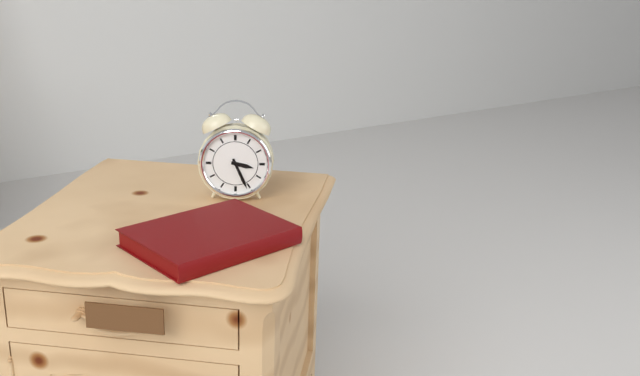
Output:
3 h 26 min
